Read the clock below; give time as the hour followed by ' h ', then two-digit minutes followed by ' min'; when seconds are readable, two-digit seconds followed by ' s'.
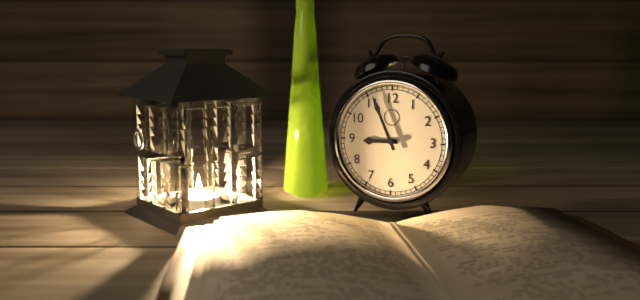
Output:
8 h 56 min
